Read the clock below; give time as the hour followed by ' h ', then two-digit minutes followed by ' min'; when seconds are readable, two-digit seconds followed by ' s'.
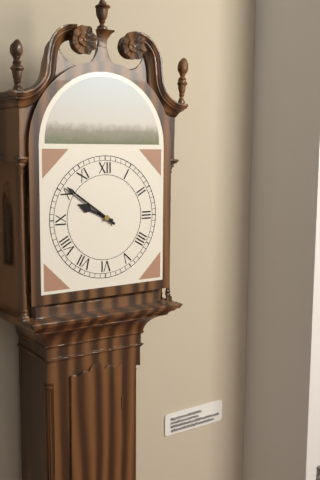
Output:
9 h 51 min
